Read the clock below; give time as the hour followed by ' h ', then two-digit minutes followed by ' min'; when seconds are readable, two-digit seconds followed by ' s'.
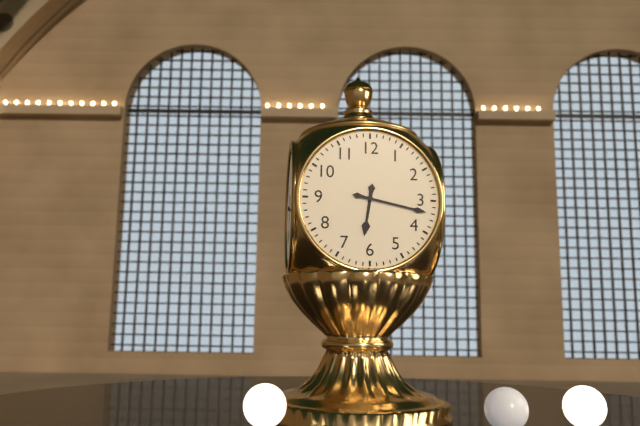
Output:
6 h 17 min
